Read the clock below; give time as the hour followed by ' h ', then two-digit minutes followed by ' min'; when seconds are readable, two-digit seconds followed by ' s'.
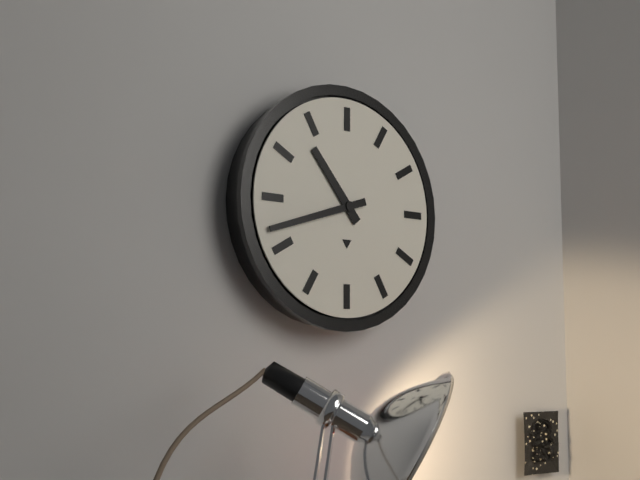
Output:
10 h 42 min
